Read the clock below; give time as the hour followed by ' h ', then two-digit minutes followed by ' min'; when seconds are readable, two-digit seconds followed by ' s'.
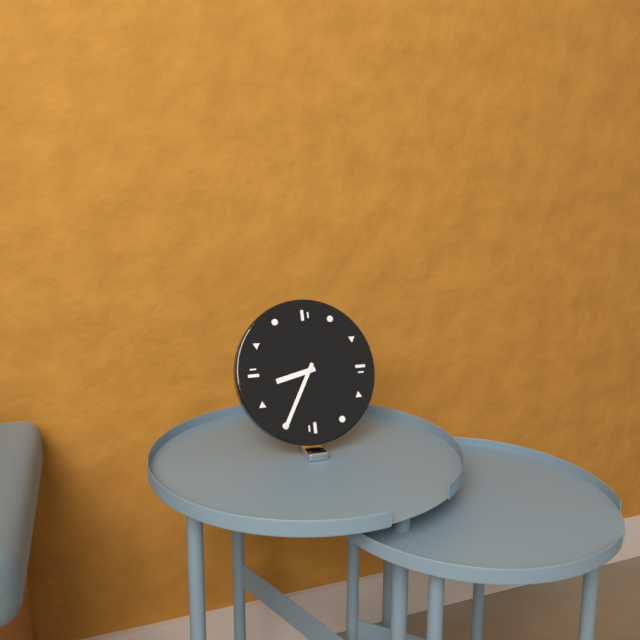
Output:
8 h 35 min
